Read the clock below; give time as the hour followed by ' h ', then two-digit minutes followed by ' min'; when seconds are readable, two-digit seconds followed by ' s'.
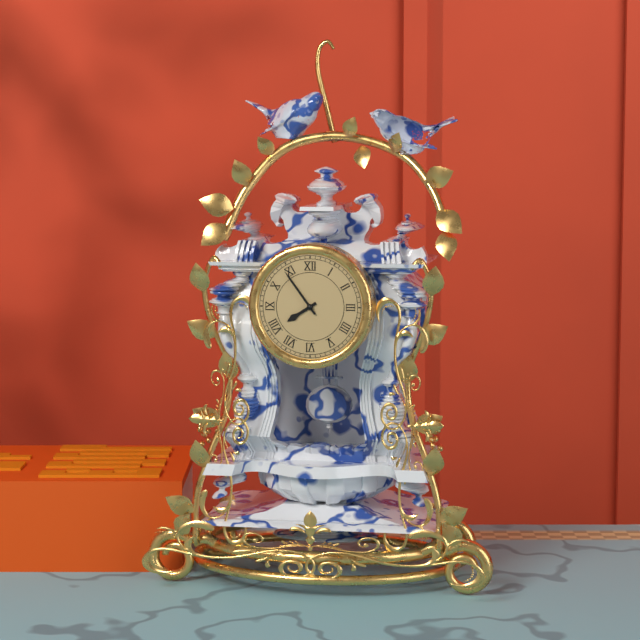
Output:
7 h 54 min
